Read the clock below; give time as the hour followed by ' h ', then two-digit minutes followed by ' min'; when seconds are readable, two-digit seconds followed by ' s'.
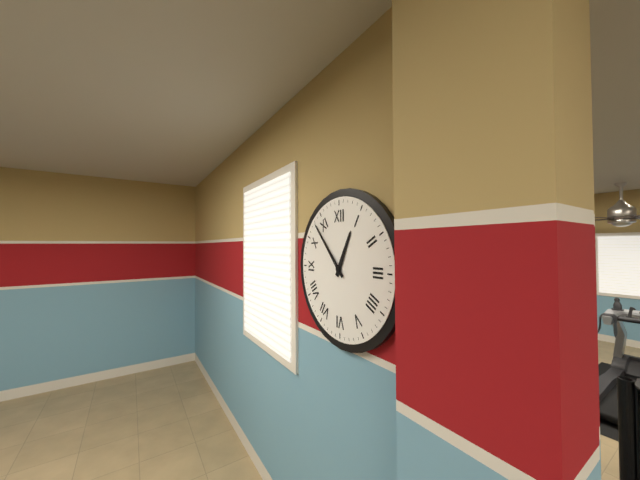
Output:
12 h 53 min
